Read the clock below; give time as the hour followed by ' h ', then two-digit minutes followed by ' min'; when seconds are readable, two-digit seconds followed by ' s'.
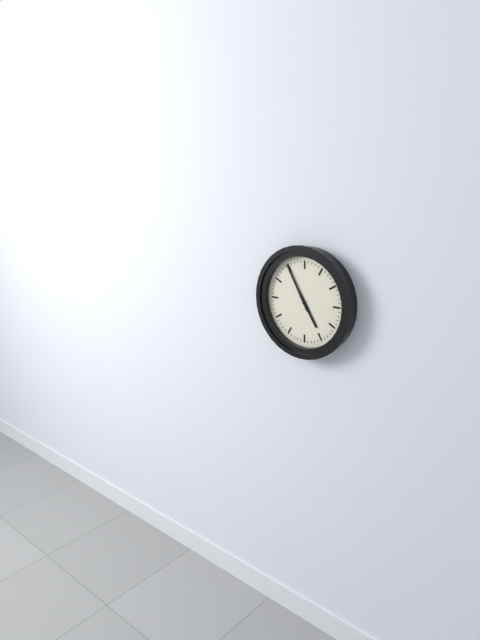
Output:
4 h 55 min
